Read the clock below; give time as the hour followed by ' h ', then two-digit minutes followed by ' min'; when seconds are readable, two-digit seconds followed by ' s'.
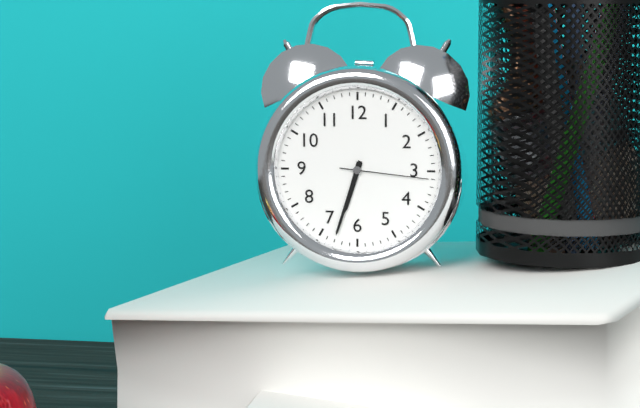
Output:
6 h 33 min 16 s
